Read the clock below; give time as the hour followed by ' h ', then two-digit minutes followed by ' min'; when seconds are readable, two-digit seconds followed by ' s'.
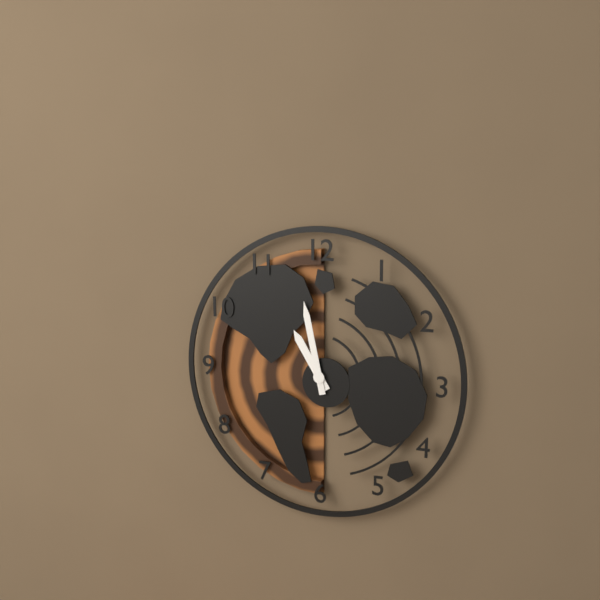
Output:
10 h 58 min
